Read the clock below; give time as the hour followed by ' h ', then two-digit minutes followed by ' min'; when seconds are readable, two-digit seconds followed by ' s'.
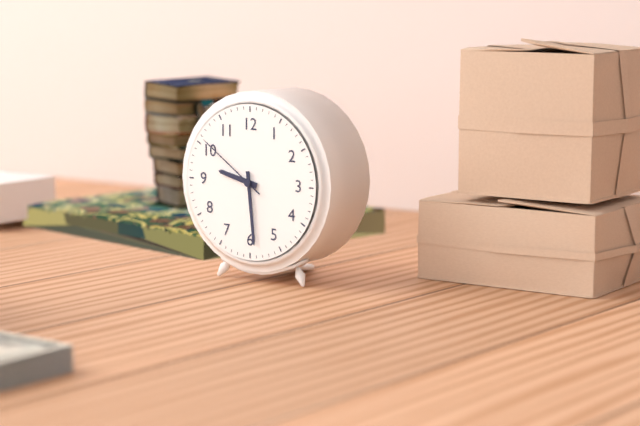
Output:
9 h 29 min 51 s
